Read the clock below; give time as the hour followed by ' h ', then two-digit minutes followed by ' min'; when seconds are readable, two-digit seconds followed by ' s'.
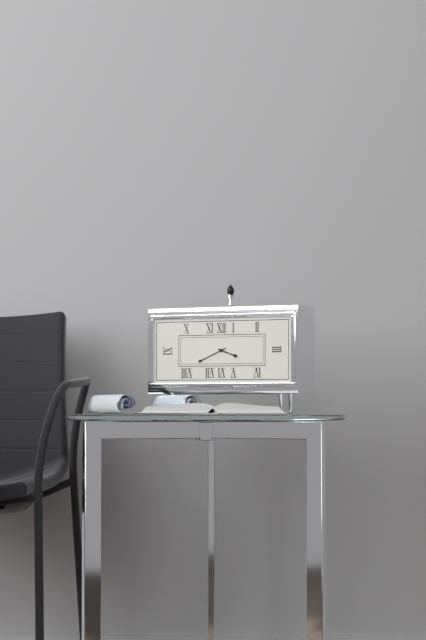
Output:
3 h 41 min
